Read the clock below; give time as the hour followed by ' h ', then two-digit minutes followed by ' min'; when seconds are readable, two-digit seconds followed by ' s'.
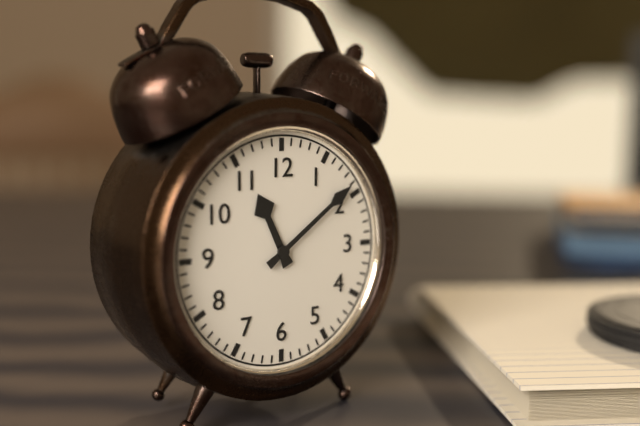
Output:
11 h 09 min
